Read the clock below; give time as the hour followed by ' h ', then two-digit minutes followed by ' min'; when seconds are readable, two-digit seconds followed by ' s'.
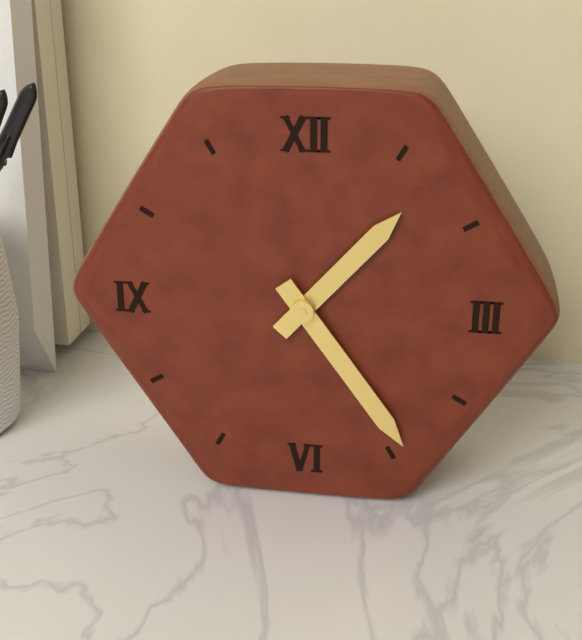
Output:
1 h 24 min
